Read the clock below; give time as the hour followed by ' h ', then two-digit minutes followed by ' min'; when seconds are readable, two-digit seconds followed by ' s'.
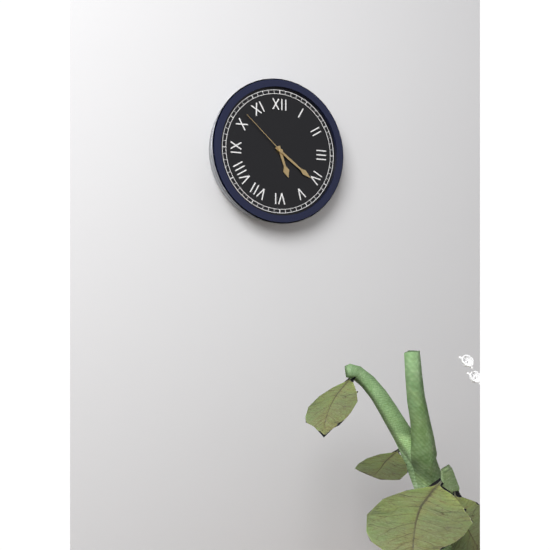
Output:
5 h 21 min 52 s
